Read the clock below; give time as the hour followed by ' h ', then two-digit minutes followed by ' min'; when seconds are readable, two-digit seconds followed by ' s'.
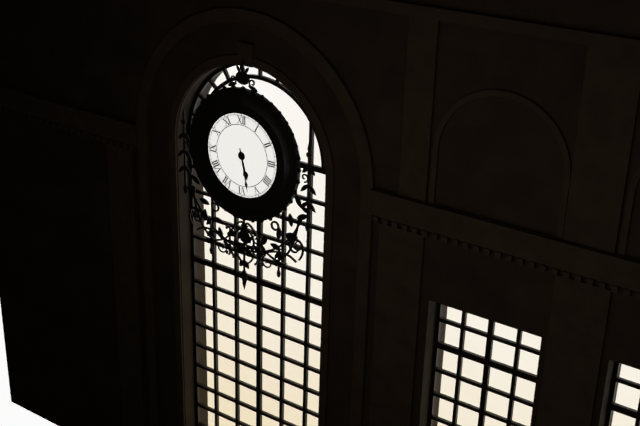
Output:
5 h 28 min
